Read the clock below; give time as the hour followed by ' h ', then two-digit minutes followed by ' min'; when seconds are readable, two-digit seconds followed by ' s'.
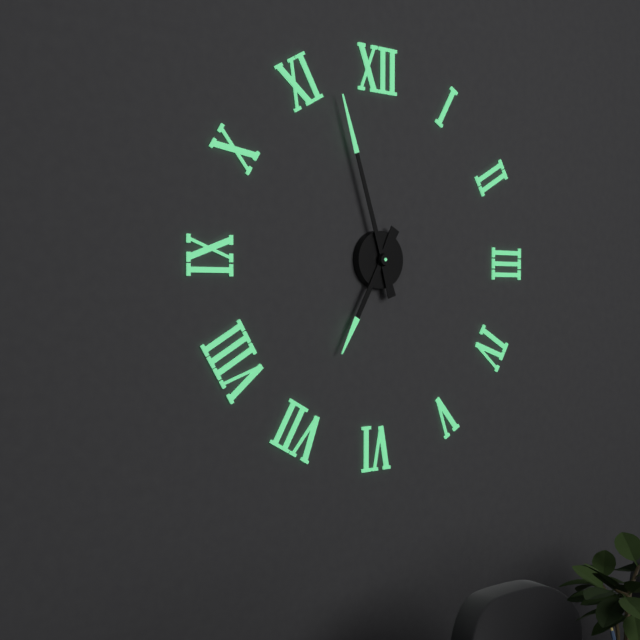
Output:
6 h 57 min
